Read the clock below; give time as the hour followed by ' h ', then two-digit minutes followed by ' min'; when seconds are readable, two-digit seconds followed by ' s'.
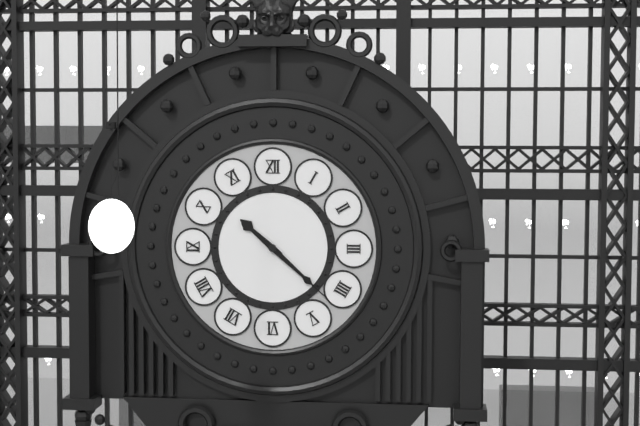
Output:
10 h 22 min
